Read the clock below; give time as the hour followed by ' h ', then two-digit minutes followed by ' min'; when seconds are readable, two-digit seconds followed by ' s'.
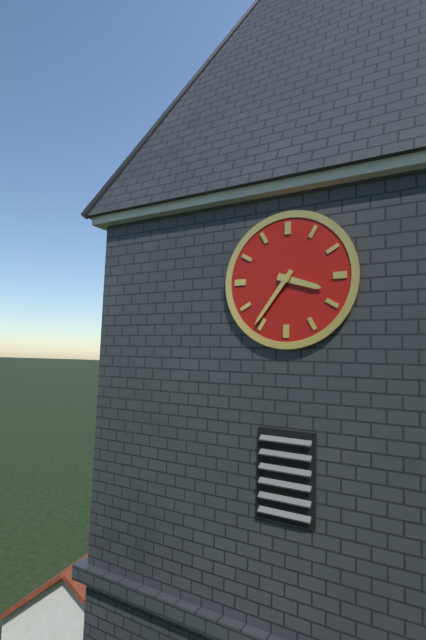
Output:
3 h 36 min
